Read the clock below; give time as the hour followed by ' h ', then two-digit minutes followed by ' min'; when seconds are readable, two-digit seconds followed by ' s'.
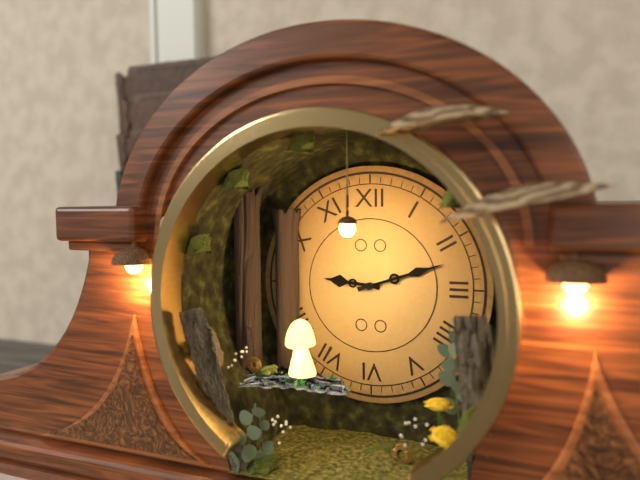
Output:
9 h 12 min
